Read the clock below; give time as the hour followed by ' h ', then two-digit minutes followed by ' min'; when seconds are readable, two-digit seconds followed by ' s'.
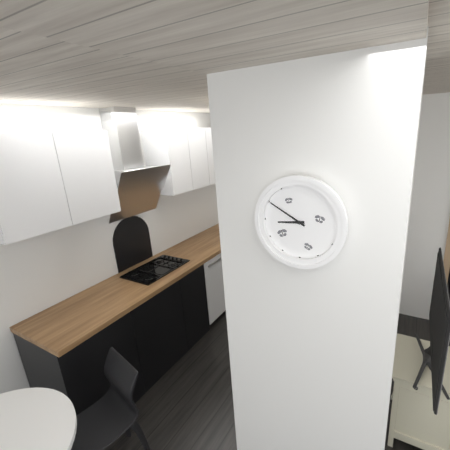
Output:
8 h 50 min
